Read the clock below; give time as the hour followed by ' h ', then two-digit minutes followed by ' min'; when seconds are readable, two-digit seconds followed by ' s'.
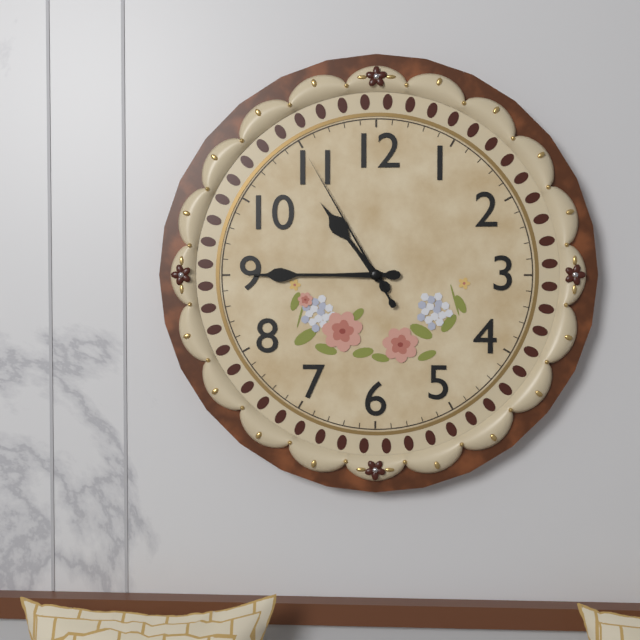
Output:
10 h 45 min 55 s
